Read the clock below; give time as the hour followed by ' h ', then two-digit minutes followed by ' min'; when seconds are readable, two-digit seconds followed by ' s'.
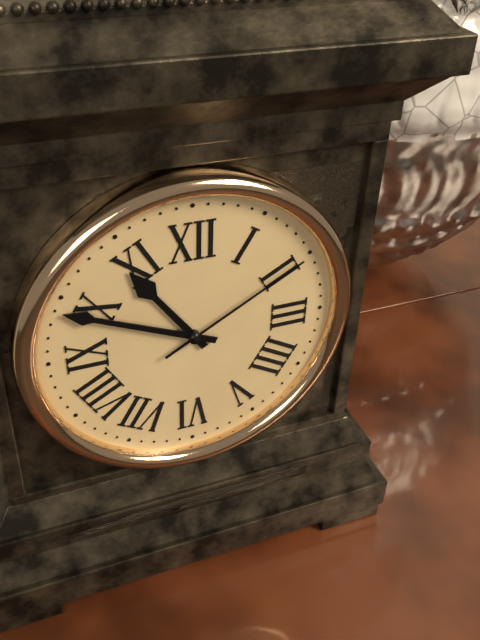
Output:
10 h 49 min 10 s
